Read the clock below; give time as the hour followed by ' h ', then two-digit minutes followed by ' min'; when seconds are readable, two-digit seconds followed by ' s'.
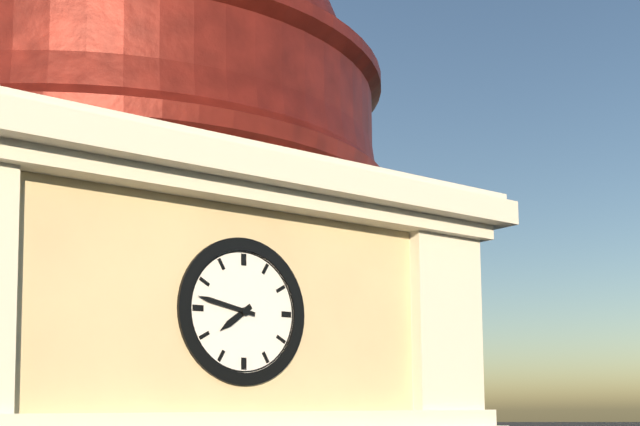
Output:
7 h 47 min
